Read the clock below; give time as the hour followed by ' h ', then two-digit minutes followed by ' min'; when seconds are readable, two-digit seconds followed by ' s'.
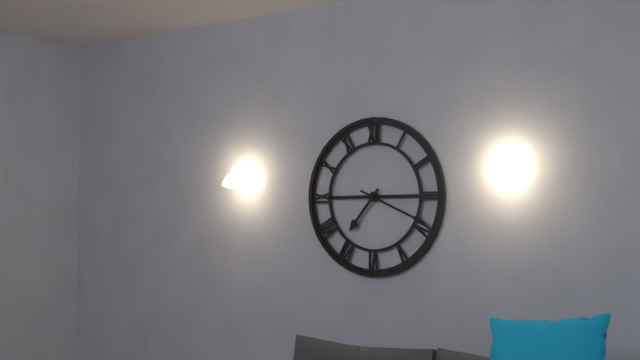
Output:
7 h 19 min
